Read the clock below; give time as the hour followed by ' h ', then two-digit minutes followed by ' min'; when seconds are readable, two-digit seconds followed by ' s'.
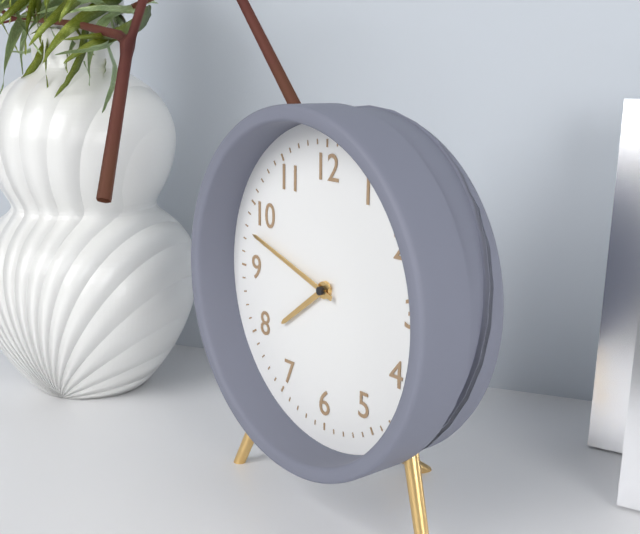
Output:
7 h 48 min
